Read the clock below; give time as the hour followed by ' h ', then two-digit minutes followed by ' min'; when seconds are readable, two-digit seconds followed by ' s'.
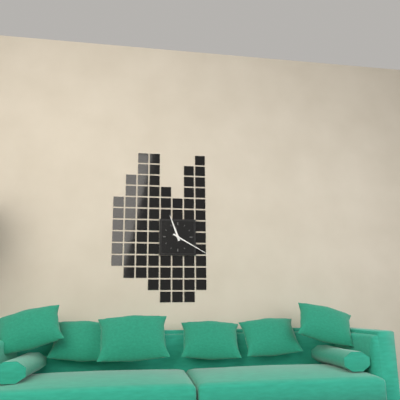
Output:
11 h 20 min
